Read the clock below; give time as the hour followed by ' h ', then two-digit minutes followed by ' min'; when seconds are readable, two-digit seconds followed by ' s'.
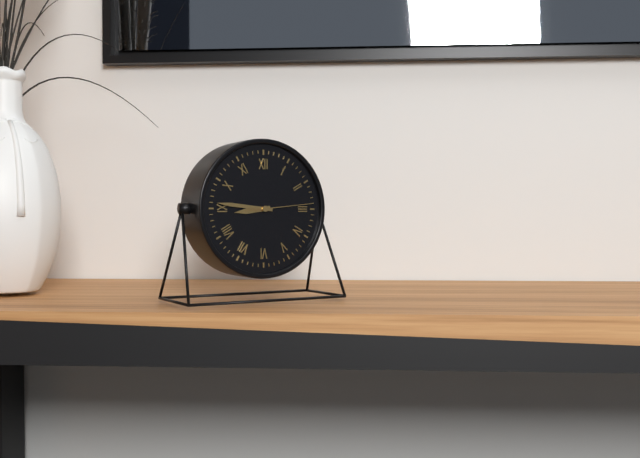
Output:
8 h 46 min 14 s
